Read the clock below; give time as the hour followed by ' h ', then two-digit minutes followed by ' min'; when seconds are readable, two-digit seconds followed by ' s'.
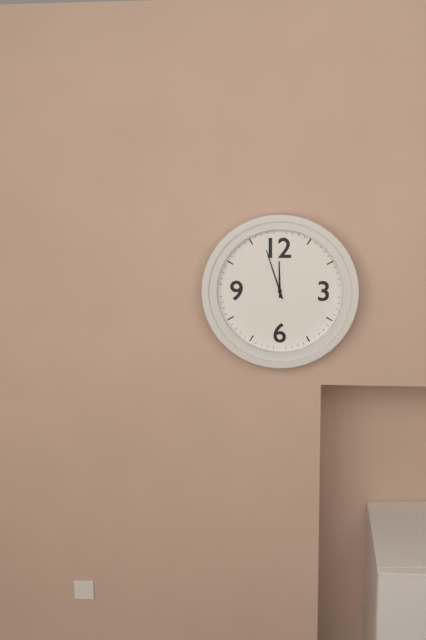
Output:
11 h 57 min
